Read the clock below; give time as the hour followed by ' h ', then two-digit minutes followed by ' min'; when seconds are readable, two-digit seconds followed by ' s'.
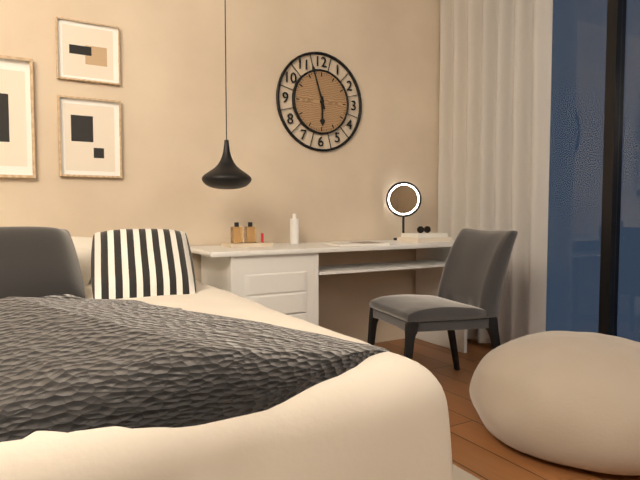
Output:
5 h 57 min
